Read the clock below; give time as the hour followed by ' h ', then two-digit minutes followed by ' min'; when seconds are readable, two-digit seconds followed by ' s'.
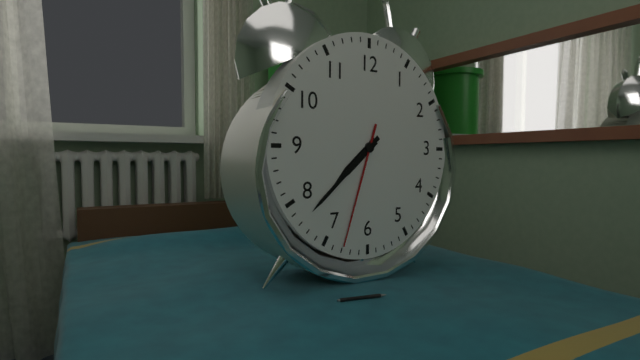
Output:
7 h 38 min 33 s
